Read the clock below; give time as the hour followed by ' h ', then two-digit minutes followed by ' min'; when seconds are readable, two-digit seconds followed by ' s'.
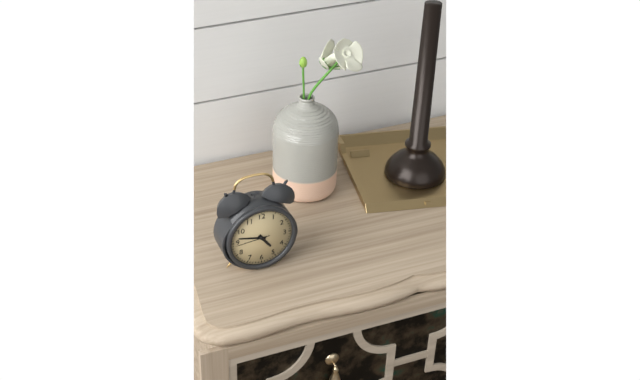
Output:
4 h 47 min
